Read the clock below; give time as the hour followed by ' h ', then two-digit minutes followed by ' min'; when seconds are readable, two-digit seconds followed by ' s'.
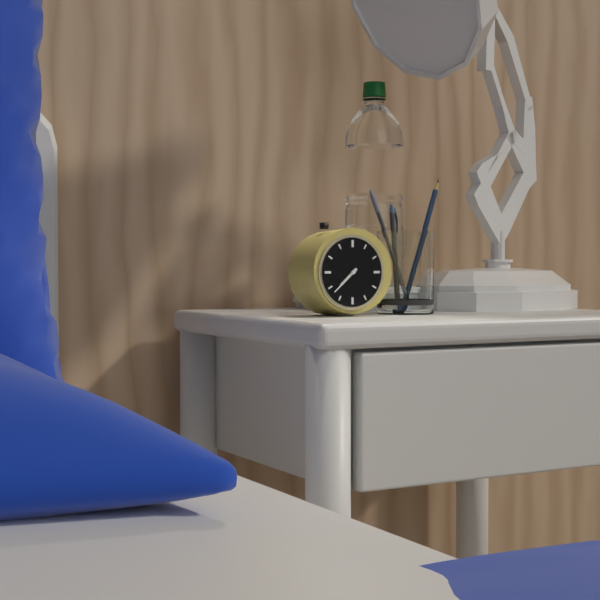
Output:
7 h 38 min
